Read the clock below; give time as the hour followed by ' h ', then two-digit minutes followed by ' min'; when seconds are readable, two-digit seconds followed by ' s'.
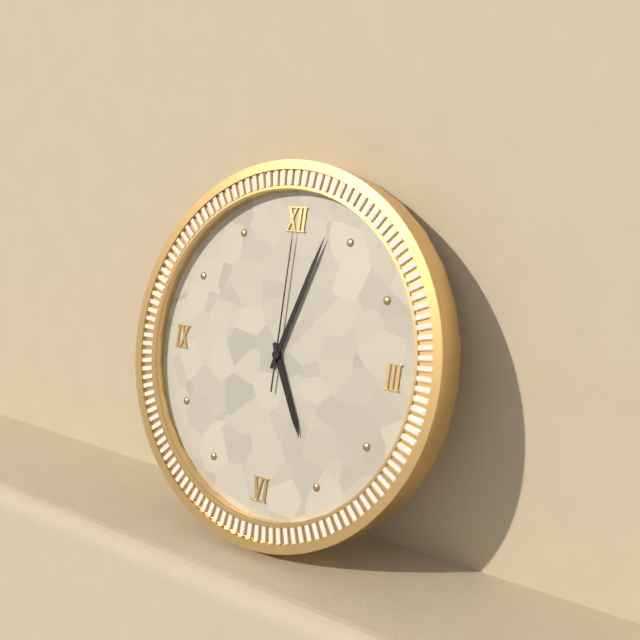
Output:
5 h 03 min 00 s
